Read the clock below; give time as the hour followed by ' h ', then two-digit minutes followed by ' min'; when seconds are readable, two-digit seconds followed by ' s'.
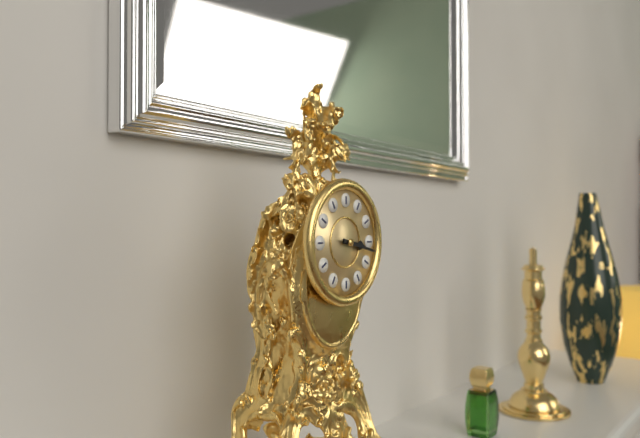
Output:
3 h 17 min
